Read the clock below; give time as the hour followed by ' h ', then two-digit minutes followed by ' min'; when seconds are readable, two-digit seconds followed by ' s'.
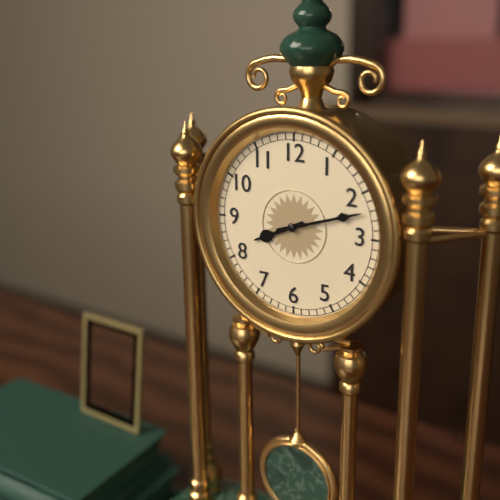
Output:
8 h 12 min
